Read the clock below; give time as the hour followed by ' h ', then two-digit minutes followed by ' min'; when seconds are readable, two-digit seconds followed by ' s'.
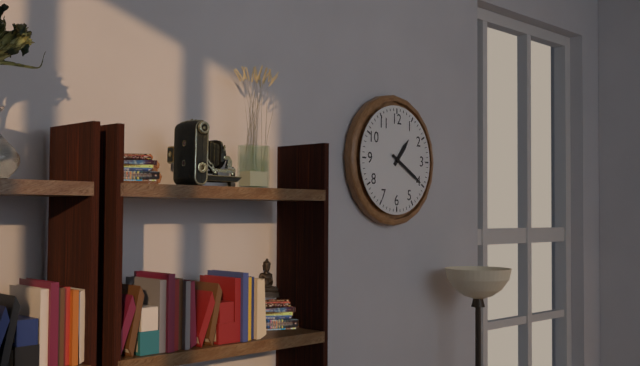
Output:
1 h 20 min
